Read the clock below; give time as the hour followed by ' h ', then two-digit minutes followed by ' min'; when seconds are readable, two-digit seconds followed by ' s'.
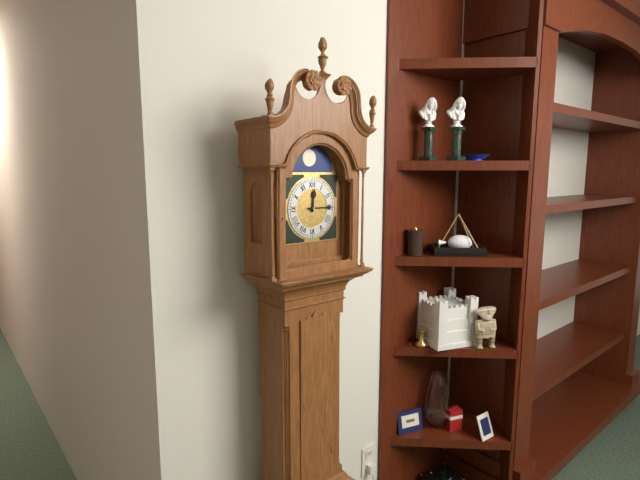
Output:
12 h 15 min
